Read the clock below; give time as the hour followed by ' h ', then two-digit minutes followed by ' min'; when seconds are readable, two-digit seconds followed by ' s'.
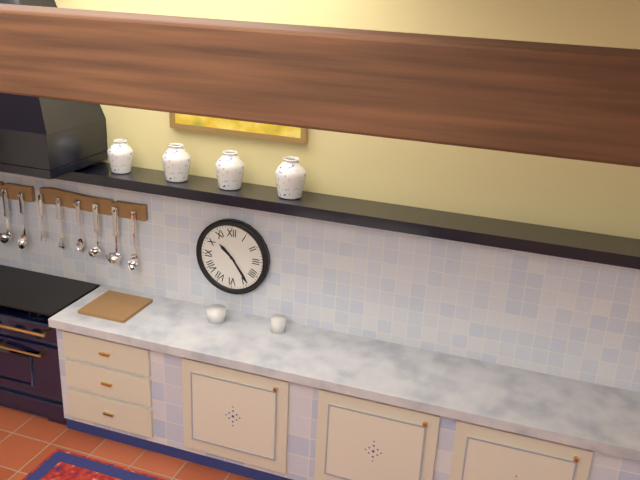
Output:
10 h 24 min
